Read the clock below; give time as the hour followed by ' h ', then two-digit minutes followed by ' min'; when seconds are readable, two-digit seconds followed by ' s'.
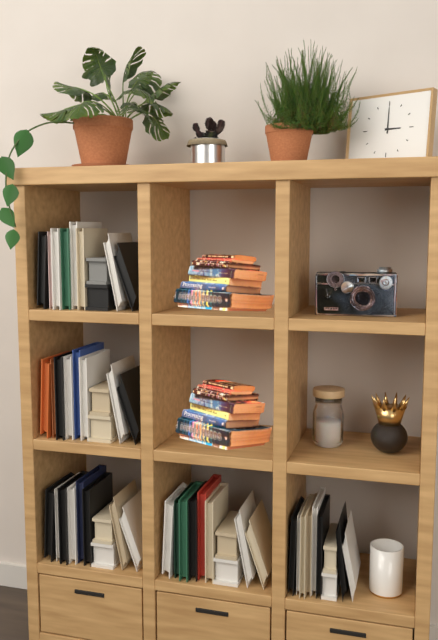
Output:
3 h 00 min
